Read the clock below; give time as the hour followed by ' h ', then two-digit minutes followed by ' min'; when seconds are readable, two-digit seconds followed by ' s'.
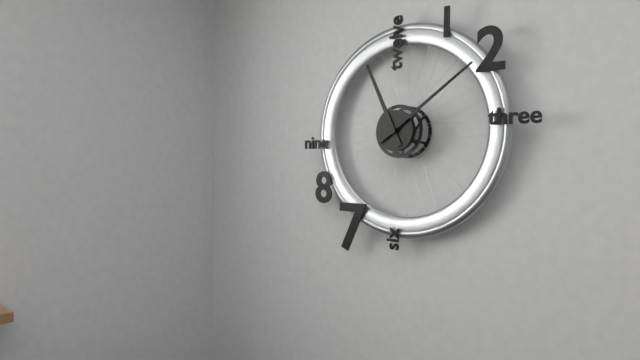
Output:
11 h 09 min
